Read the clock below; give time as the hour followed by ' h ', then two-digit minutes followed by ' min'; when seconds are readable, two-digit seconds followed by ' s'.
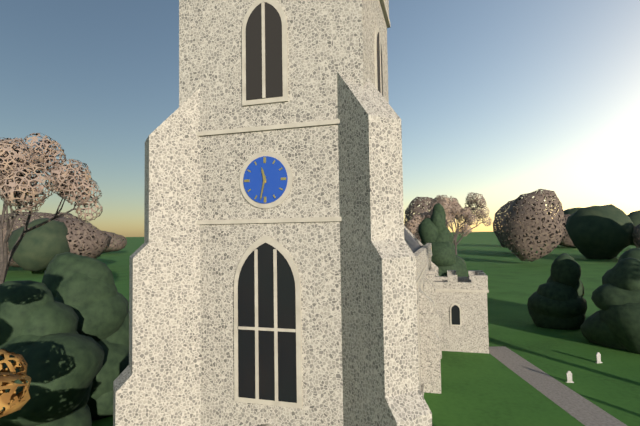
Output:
11 h 32 min
